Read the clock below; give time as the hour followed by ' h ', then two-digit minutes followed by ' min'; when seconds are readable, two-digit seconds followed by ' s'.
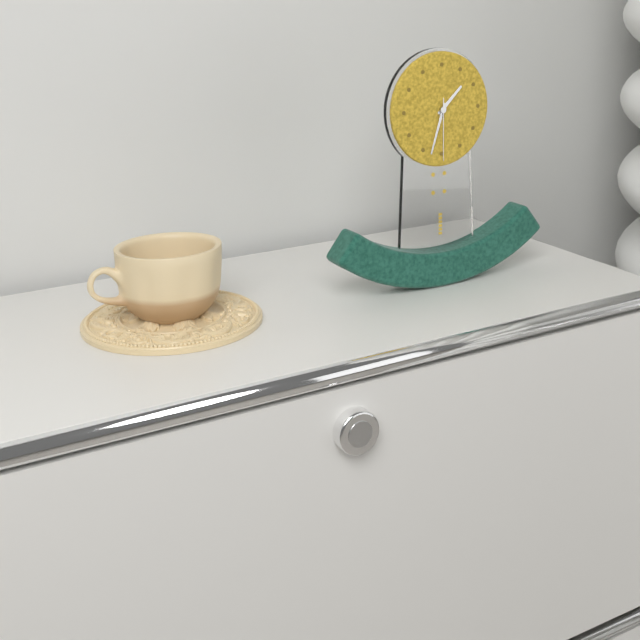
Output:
1 h 33 min 30 s
